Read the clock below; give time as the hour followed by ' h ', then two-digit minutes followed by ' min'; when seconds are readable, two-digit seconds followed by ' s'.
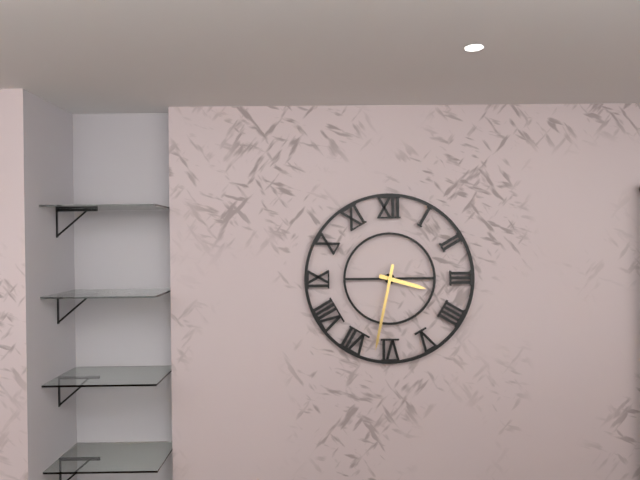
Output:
3 h 32 min
